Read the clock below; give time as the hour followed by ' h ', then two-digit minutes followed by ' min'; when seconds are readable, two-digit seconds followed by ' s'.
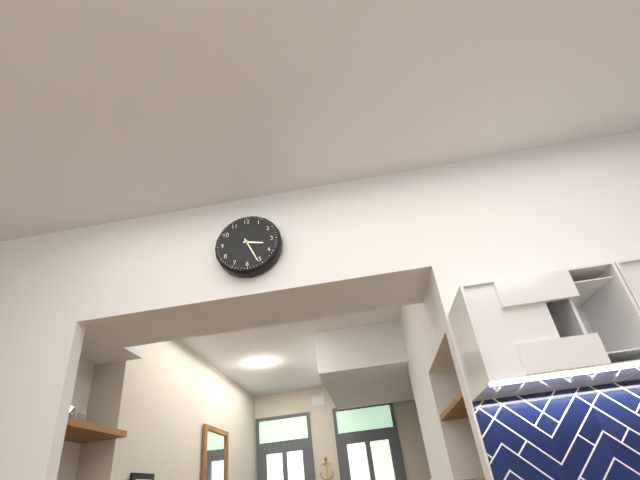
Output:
3 h 26 min
